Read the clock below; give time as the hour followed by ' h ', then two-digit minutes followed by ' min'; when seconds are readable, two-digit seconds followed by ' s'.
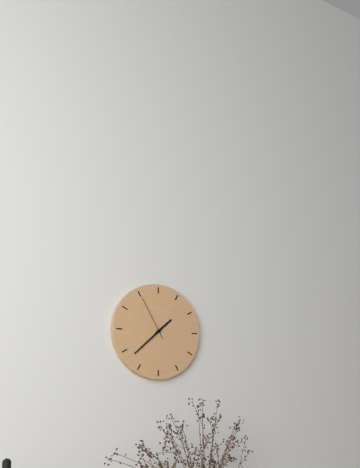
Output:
1 h 38 min
